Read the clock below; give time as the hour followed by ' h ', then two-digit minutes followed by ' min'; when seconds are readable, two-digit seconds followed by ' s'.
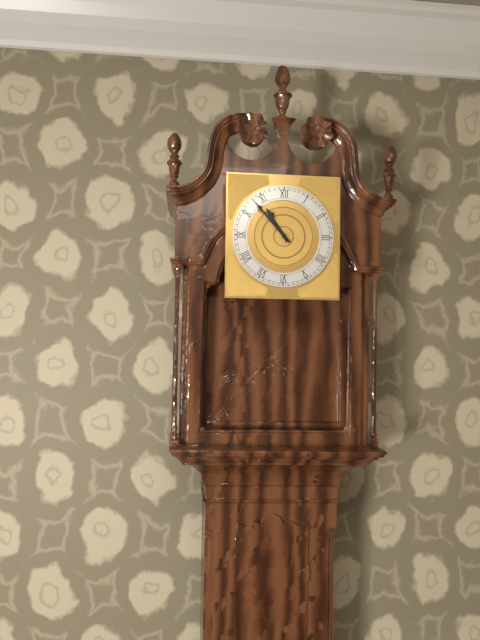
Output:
10 h 53 min
